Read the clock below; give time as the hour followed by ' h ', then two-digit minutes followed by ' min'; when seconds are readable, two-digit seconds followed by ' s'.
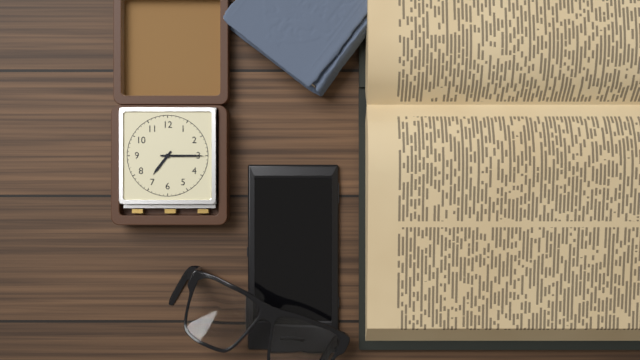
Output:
7 h 15 min
